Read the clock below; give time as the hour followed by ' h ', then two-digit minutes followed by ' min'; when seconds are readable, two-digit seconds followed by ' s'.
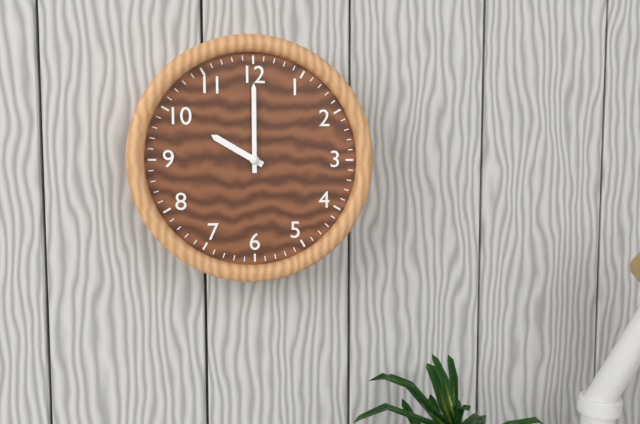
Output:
10 h 00 min
